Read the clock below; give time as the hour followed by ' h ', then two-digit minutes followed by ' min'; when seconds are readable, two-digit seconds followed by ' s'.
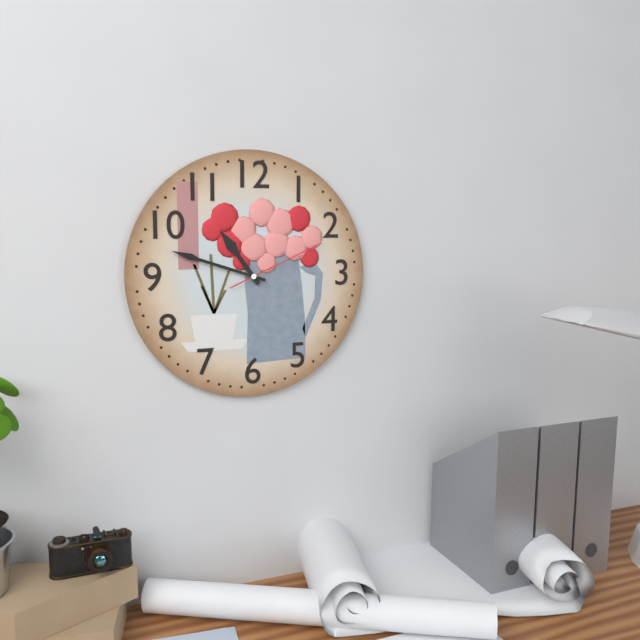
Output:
10 h 48 min 11 s
